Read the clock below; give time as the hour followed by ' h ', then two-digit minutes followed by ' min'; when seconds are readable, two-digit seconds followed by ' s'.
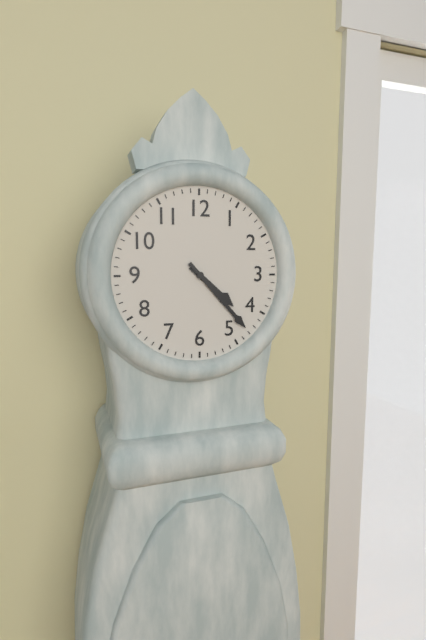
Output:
4 h 23 min
